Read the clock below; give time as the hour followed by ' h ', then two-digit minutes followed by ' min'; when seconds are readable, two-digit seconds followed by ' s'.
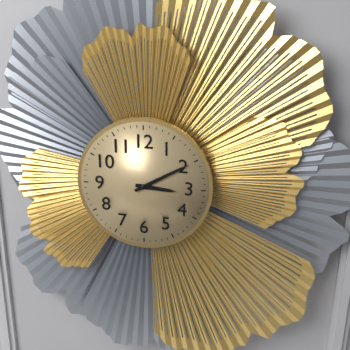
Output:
3 h 10 min
